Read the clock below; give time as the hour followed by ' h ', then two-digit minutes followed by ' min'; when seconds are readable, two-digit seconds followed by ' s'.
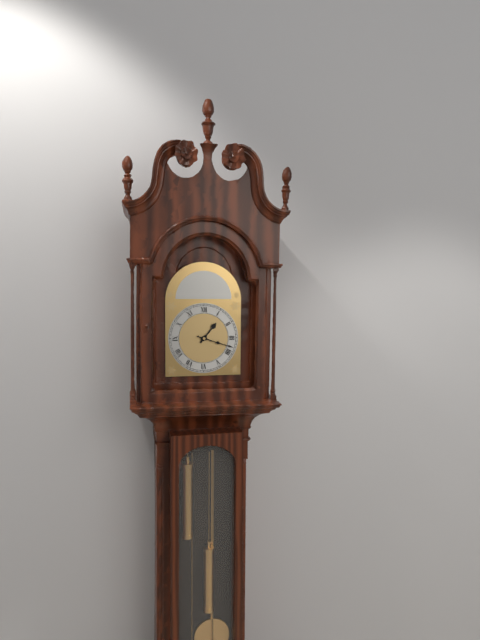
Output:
1 h 18 min
